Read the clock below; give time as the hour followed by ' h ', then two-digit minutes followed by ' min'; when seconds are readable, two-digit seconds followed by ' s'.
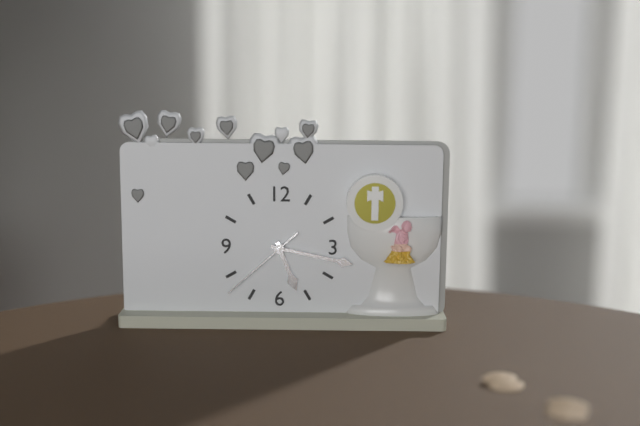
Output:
5 h 17 min 38 s
